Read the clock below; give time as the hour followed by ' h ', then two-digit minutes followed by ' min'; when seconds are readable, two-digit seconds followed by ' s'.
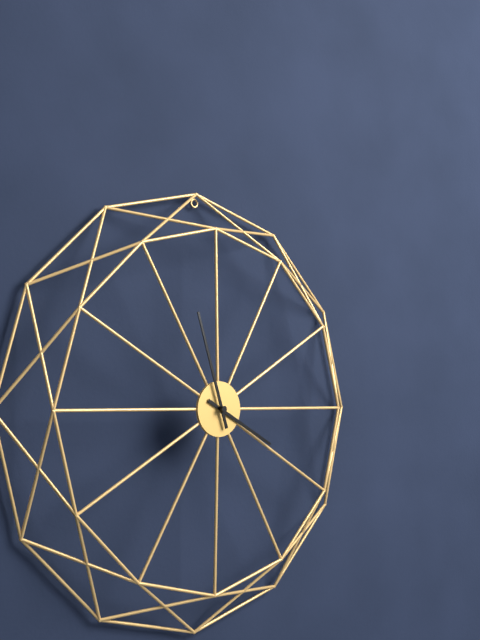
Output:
3 h 57 min
